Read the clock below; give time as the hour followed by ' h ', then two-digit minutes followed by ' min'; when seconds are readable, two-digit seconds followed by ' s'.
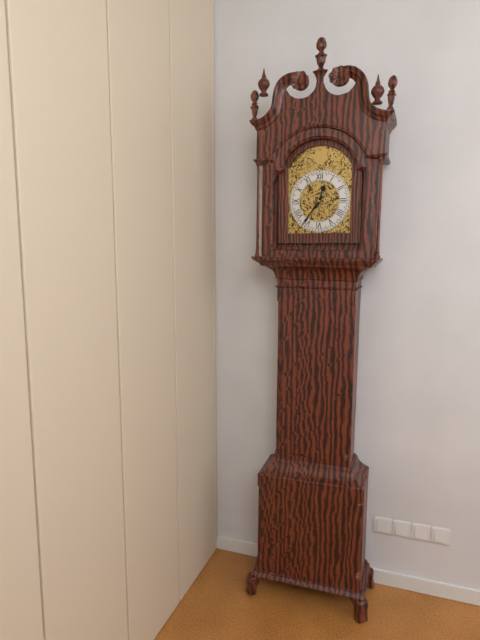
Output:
12 h 36 min
